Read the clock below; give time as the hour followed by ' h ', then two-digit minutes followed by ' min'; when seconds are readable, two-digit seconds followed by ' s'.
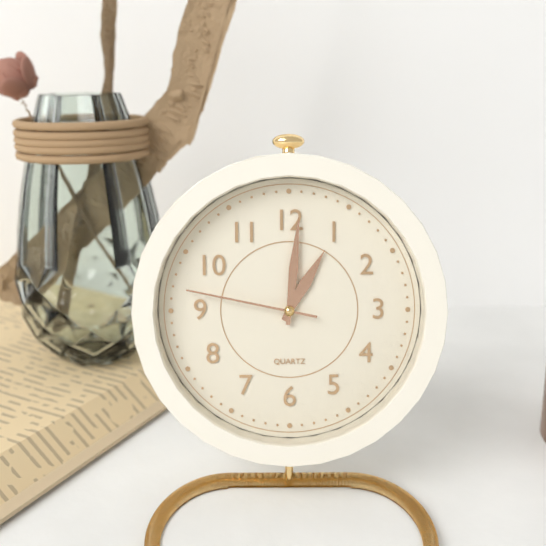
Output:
1 h 01 min 47 s
